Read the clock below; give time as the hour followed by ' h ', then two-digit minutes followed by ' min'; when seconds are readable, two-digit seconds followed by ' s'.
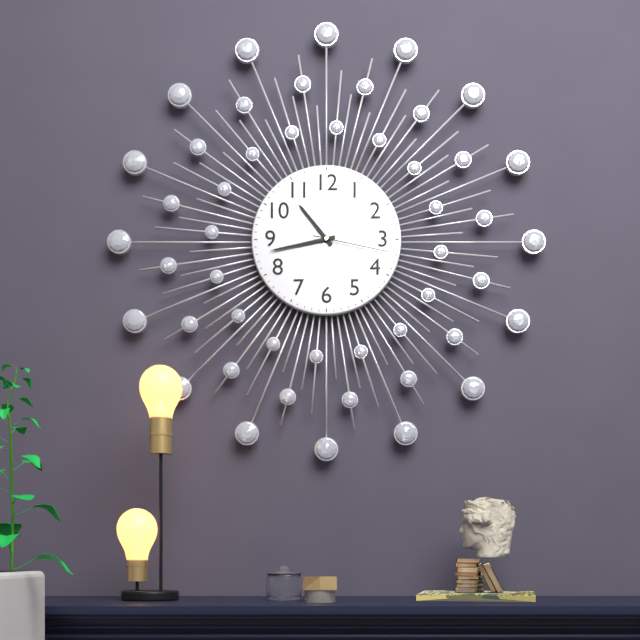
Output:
10 h 43 min 17 s
